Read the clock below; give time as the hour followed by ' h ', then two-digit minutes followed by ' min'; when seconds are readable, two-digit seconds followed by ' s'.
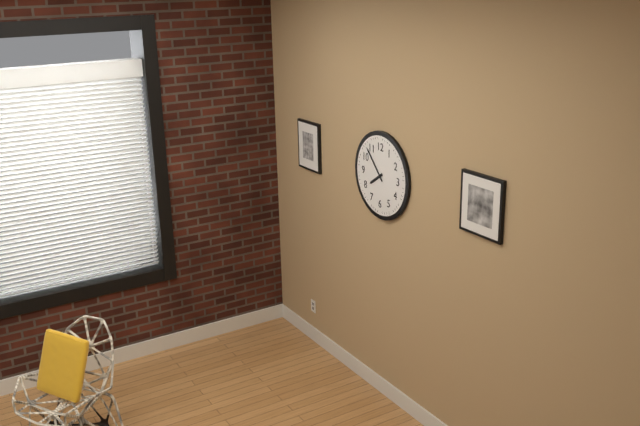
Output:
7 h 53 min
